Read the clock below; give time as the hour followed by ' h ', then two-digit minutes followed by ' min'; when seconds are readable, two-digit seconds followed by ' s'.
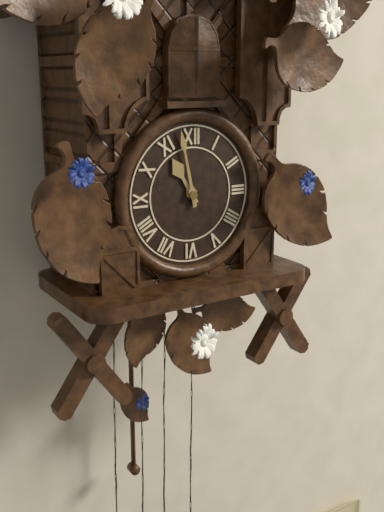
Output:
10 h 58 min
